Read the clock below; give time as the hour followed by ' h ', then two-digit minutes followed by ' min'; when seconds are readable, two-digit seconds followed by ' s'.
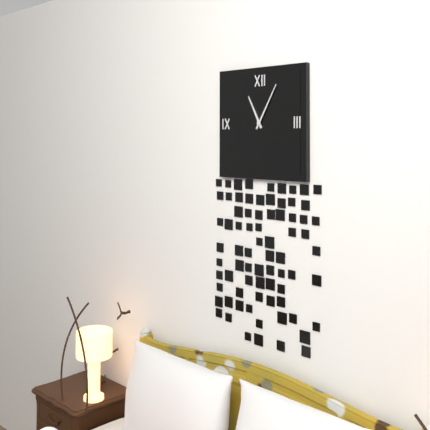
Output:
11 h 05 min
